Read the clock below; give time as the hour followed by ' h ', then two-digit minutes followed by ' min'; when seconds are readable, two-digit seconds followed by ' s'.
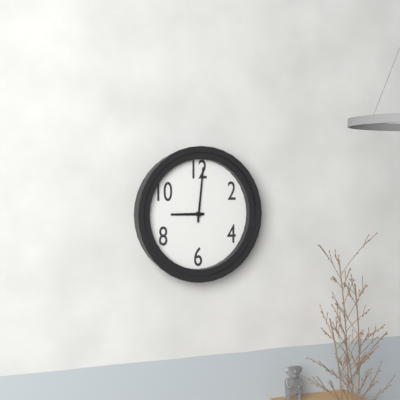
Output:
9 h 01 min
